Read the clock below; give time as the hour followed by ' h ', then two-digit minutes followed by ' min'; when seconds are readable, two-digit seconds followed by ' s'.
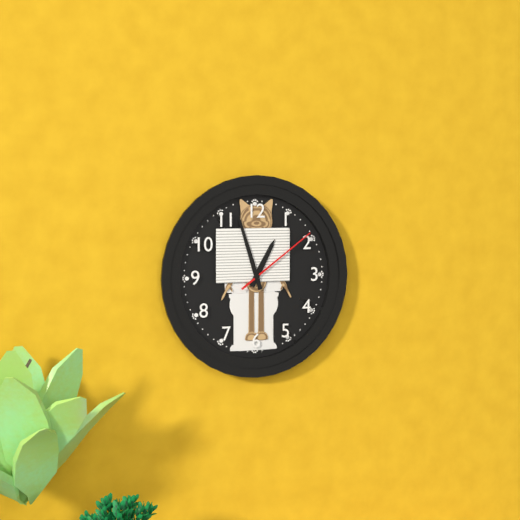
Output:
12 h 57 min 09 s
